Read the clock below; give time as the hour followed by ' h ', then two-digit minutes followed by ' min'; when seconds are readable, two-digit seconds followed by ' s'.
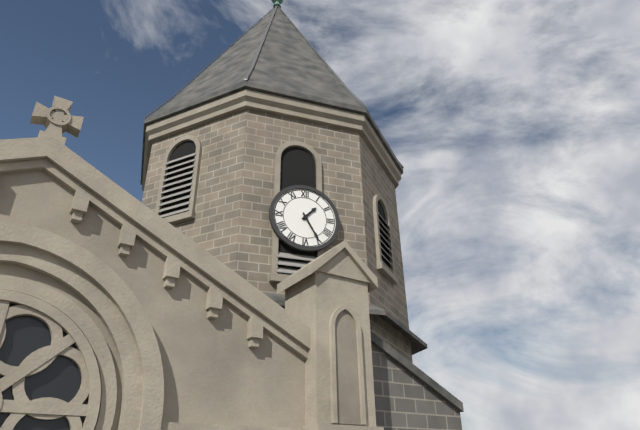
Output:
1 h 25 min
